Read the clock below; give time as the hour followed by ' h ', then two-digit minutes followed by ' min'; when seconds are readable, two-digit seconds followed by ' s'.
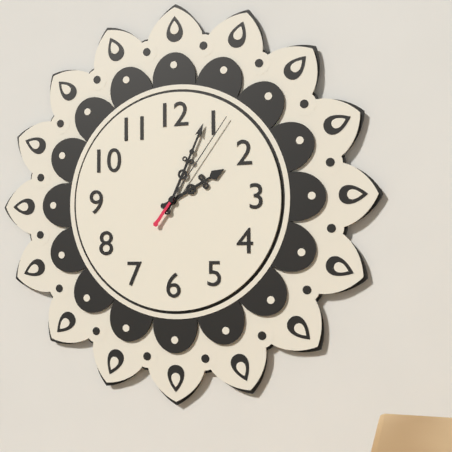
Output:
2 h 04 min 06 s
